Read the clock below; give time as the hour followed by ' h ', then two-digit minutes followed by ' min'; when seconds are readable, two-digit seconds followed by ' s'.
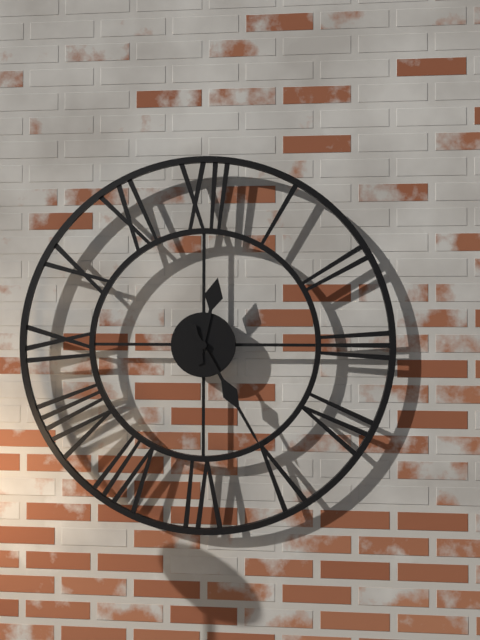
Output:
12 h 25 min
